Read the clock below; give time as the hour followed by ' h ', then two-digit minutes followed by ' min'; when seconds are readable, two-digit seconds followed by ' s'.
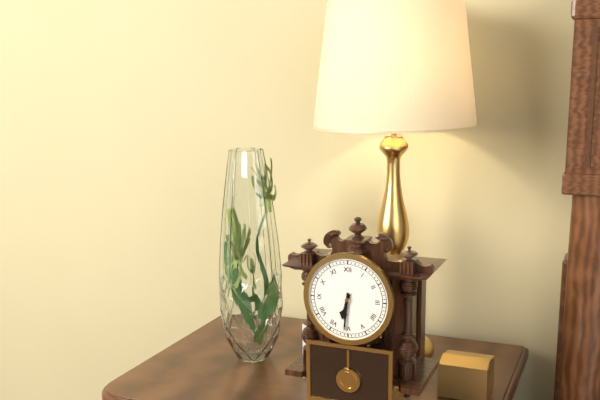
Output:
6 h 31 min
